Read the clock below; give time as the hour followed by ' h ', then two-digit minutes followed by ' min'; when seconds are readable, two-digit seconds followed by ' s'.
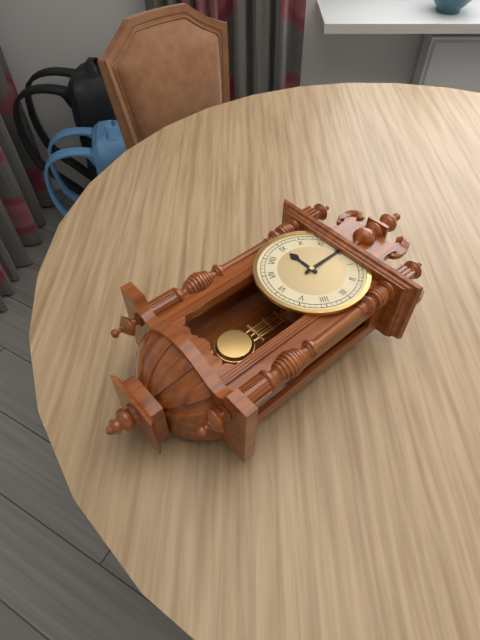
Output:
9 h 00 min
